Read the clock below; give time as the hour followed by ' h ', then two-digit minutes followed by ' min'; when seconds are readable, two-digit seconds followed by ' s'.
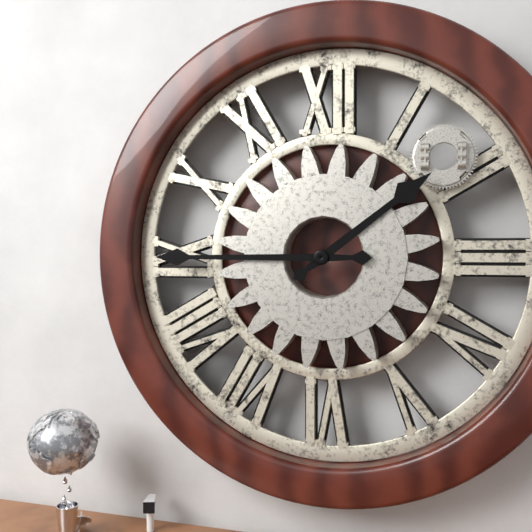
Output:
1 h 45 min
